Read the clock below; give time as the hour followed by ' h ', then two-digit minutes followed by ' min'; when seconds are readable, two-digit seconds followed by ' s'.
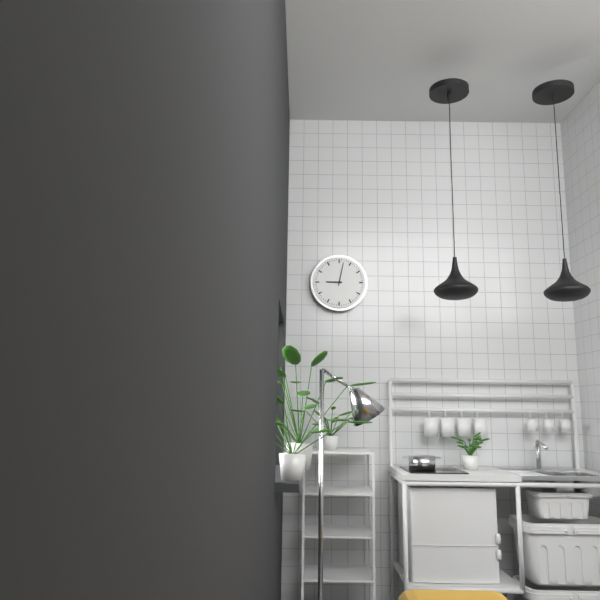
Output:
9 h 02 min
